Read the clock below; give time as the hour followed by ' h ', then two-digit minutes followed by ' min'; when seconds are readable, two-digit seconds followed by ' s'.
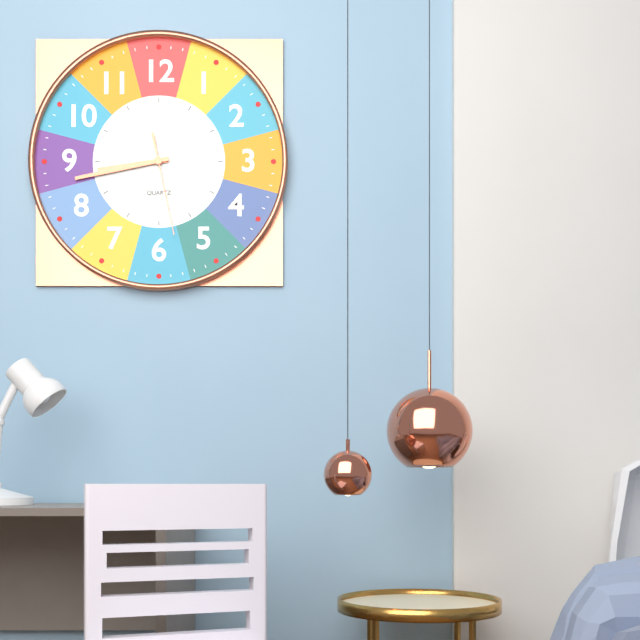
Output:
8 h 43 min 28 s
